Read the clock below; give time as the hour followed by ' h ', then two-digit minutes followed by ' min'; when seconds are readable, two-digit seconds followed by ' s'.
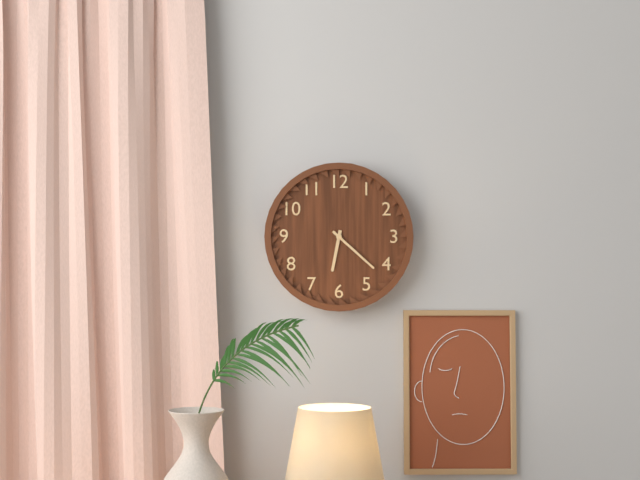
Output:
6 h 22 min
